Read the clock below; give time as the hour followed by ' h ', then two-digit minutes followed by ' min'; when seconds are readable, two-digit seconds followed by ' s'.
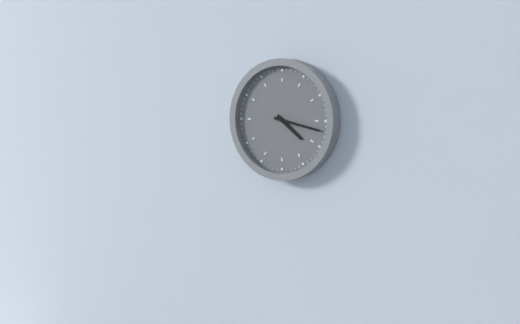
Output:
4 h 17 min
